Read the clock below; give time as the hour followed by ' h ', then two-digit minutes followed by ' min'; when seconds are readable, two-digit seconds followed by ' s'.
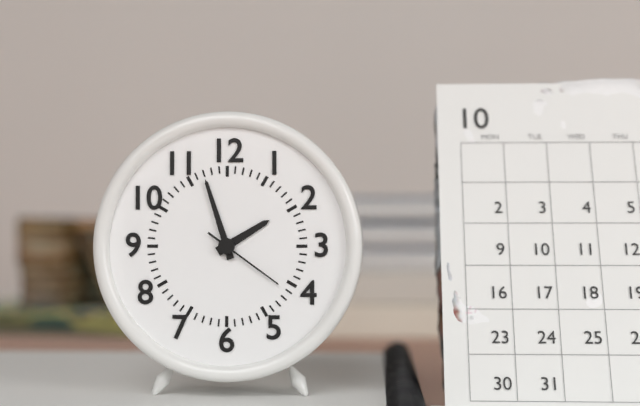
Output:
1 h 57 min 21 s
